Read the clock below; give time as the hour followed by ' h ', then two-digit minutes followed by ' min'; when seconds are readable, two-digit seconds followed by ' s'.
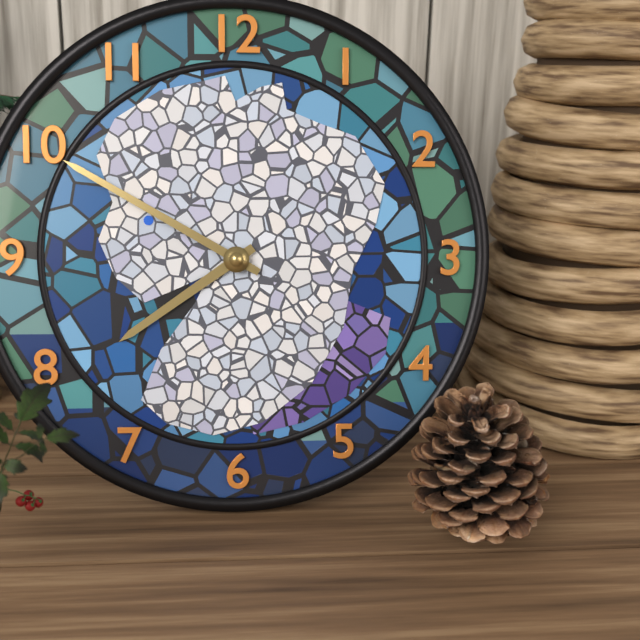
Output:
7 h 50 min
